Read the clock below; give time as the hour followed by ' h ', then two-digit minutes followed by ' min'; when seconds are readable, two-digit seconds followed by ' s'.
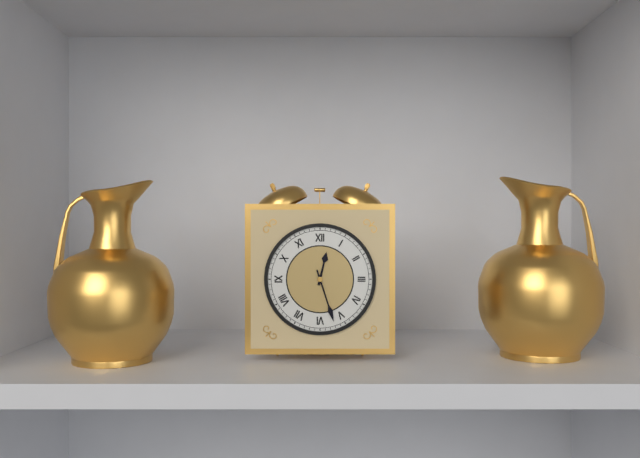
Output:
12 h 27 min
